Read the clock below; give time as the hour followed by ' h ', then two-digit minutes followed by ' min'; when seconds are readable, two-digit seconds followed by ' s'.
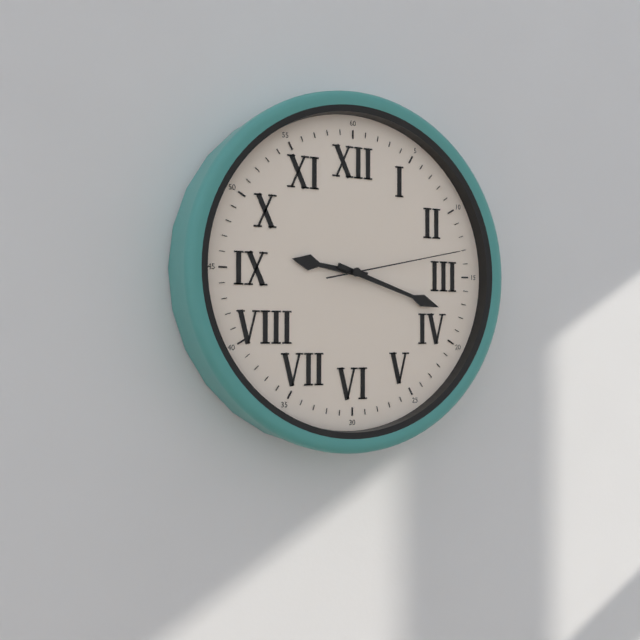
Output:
9 h 18 min 13 s
